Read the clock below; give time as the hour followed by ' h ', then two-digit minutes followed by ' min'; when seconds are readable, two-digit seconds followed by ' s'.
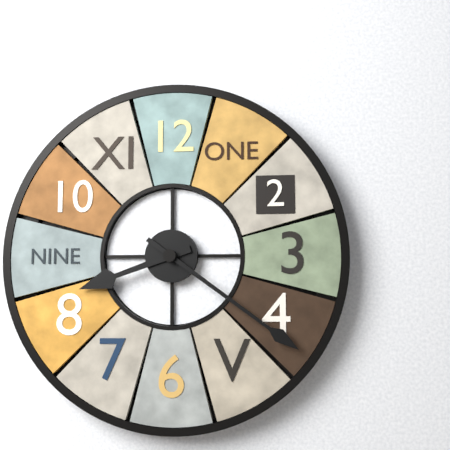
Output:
8 h 21 min
